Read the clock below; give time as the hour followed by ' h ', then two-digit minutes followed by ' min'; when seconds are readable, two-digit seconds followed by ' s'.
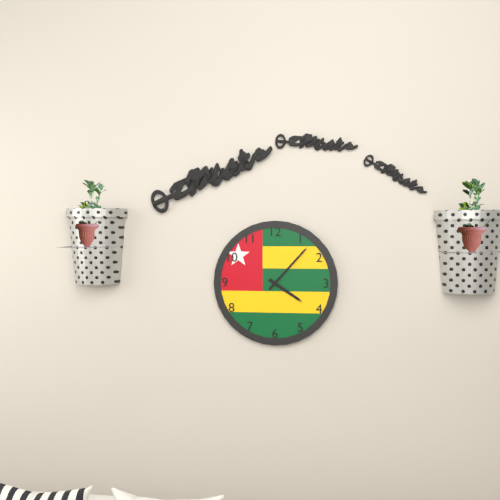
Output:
4 h 07 min
